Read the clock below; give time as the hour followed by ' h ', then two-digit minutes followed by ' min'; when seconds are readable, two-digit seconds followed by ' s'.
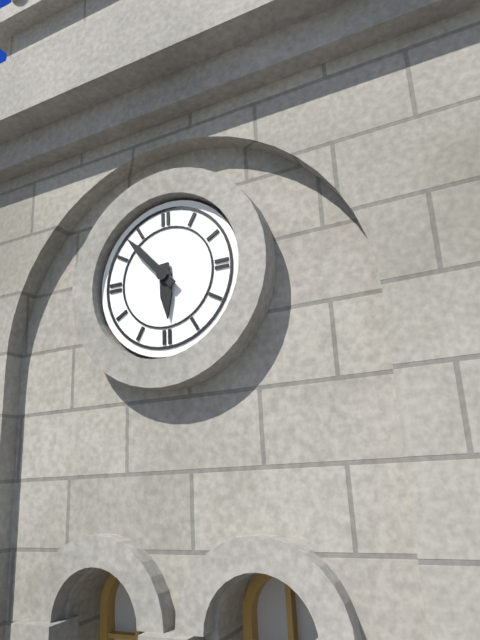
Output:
5 h 53 min
